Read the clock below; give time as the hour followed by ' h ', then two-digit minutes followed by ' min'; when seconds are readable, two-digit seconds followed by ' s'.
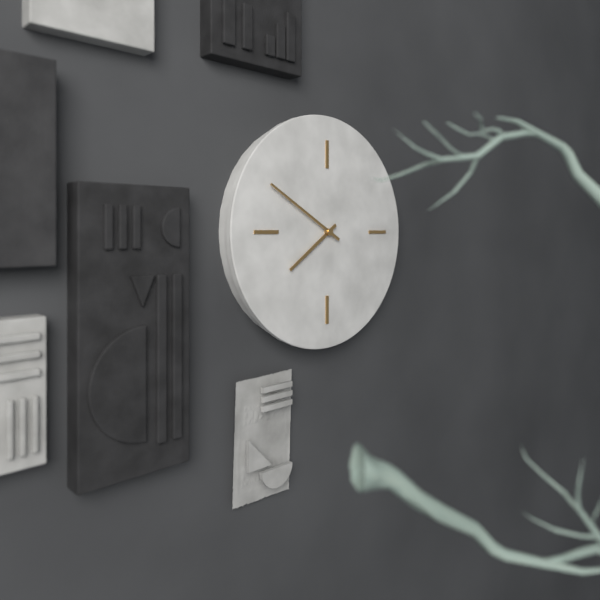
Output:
7 h 50 min
